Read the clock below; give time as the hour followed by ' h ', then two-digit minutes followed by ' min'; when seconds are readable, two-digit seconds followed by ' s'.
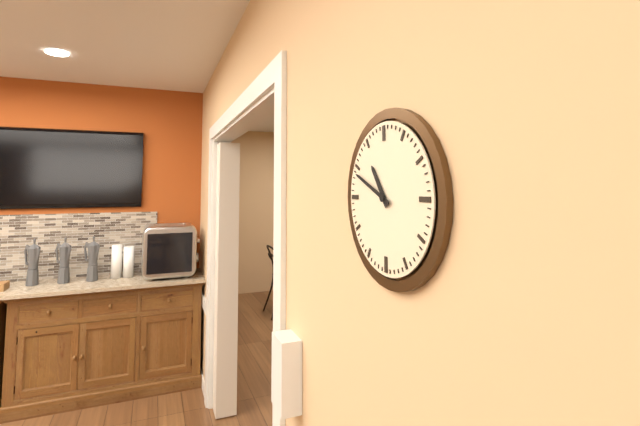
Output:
10 h 49 min
